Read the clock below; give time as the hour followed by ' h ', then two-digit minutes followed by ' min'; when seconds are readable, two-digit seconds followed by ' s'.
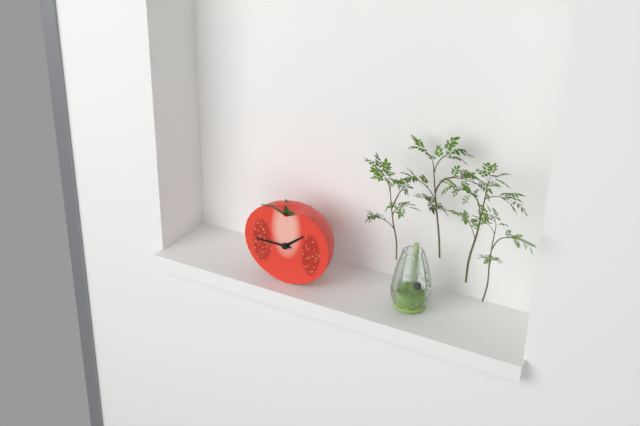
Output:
1 h 45 min
